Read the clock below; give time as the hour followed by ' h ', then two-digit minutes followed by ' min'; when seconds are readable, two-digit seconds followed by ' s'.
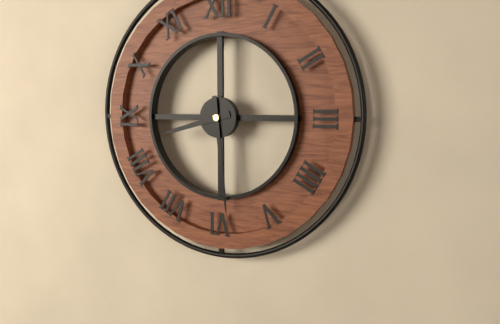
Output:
8 h 29 min
